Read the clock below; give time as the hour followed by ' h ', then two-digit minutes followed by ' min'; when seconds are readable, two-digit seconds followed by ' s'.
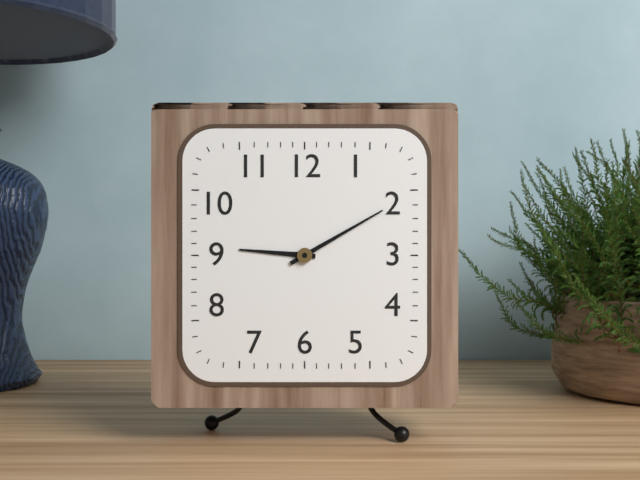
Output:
9 h 10 min
